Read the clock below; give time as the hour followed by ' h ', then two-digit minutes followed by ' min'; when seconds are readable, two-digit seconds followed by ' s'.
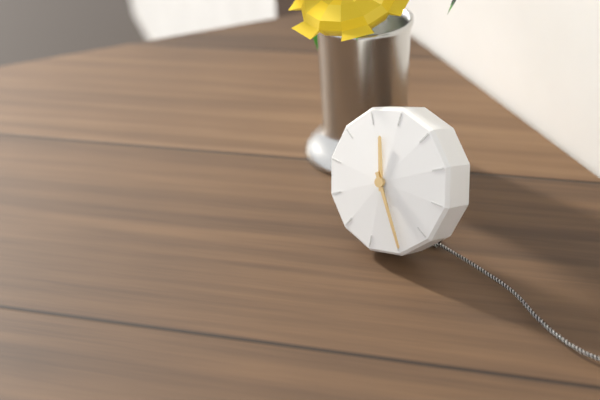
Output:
11 h 24 min
